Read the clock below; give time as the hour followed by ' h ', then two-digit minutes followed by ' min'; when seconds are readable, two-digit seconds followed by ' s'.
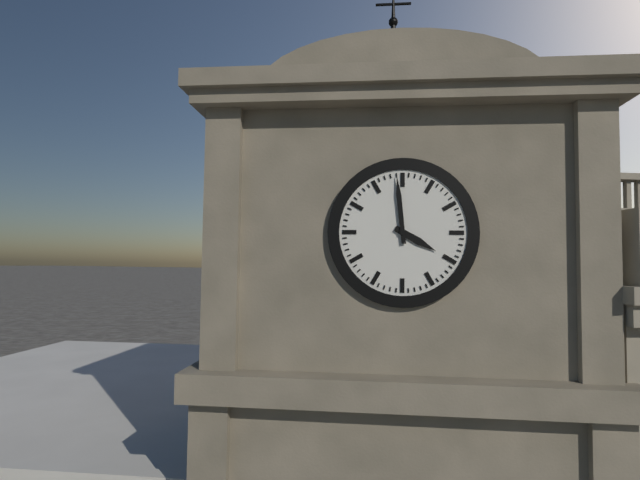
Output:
3 h 59 min
